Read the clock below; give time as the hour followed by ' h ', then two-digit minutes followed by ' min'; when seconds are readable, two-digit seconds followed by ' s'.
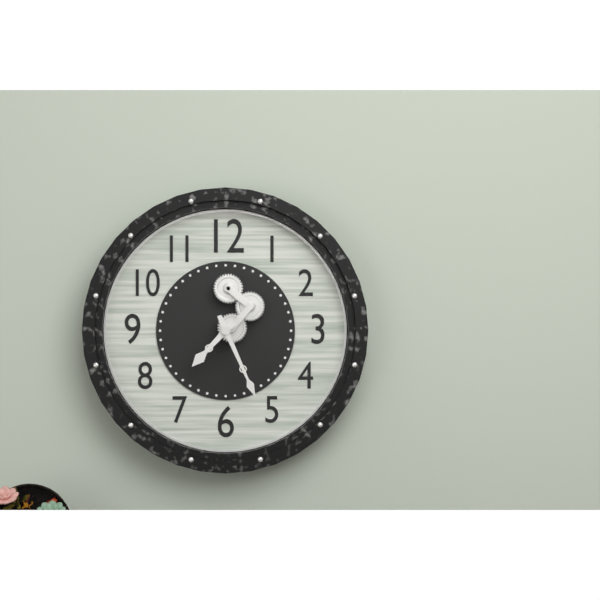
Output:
7 h 26 min
